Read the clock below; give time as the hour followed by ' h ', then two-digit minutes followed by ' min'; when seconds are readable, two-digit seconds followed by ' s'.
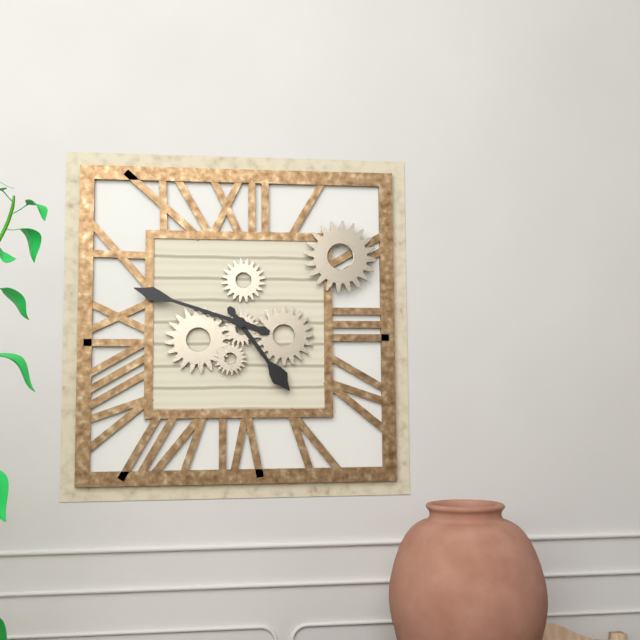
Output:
4 h 48 min
